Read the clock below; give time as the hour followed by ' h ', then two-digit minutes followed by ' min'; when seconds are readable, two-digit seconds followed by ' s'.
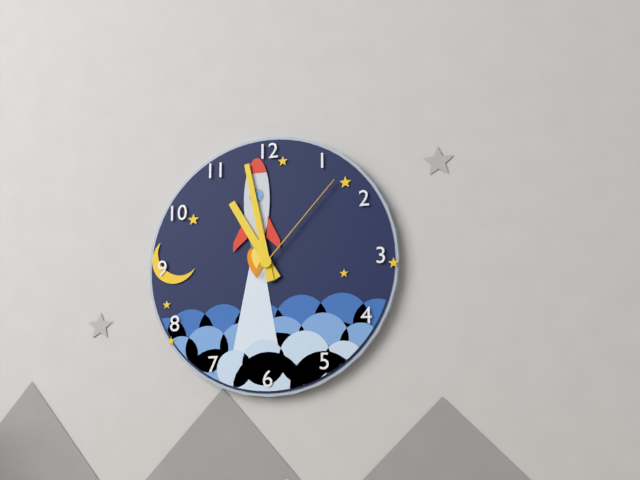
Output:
10 h 58 min 07 s
